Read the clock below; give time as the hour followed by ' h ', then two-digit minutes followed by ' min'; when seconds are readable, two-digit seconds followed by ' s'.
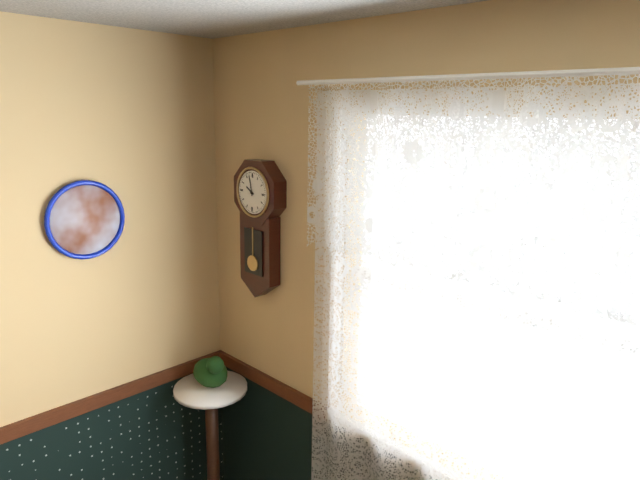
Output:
9 h 58 min
